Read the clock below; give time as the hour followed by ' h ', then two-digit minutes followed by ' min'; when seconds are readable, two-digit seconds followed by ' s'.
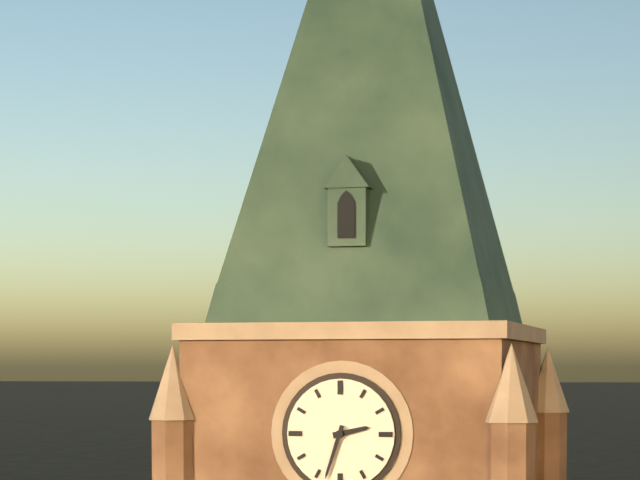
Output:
2 h 33 min
